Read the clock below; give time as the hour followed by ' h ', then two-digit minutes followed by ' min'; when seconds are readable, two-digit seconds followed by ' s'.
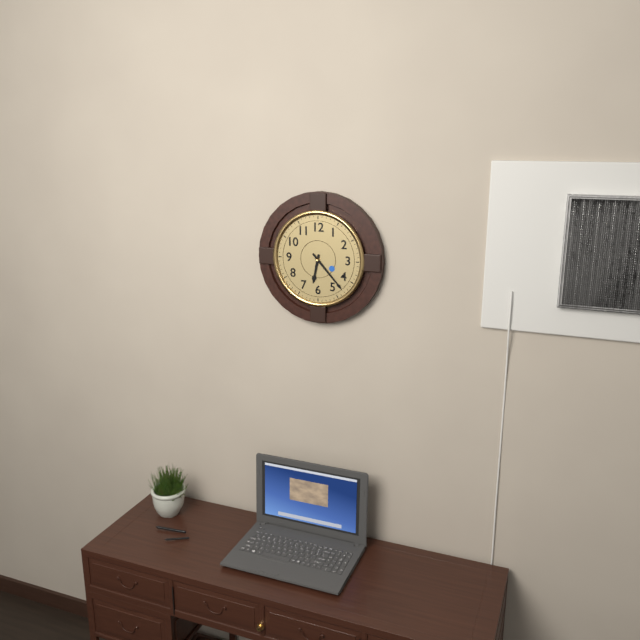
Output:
6 h 23 min
